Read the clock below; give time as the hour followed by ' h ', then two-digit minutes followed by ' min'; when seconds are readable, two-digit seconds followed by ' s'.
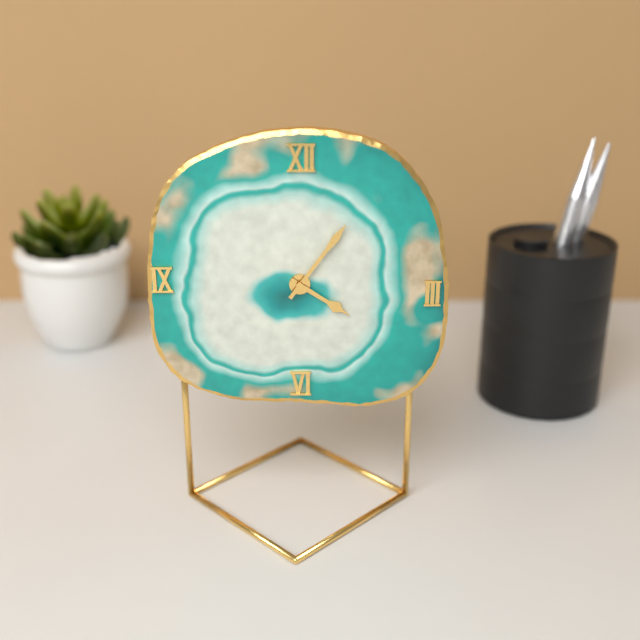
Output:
4 h 06 min
